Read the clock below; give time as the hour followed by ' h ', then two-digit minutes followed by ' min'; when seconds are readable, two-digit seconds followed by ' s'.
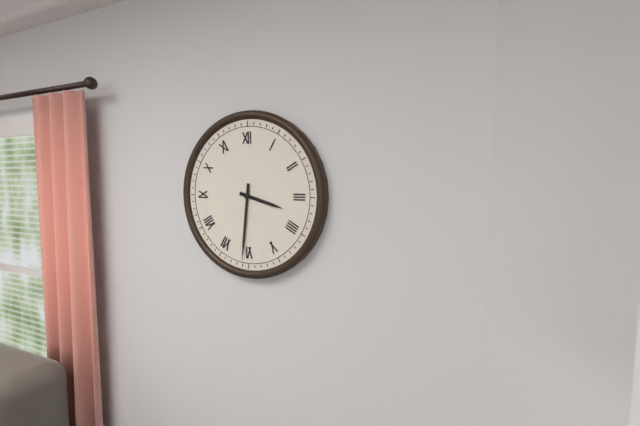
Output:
3 h 31 min
